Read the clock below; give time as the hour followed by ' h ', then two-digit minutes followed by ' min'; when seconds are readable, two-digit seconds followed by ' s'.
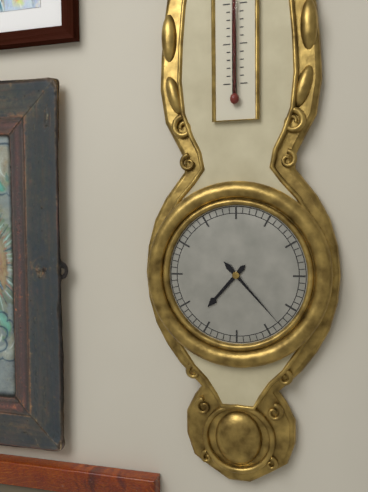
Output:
7 h 23 min
